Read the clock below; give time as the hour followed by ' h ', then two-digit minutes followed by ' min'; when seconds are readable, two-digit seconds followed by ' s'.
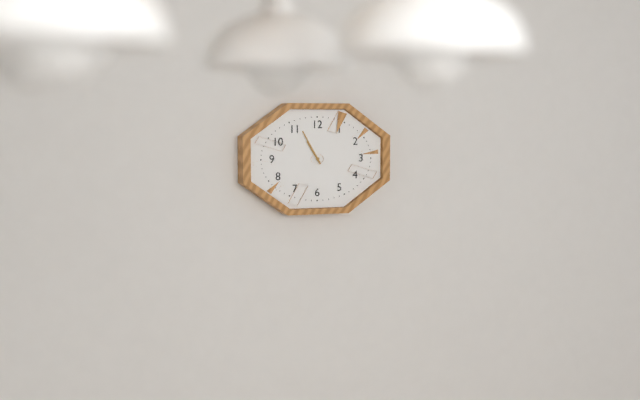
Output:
10 h 55 min
